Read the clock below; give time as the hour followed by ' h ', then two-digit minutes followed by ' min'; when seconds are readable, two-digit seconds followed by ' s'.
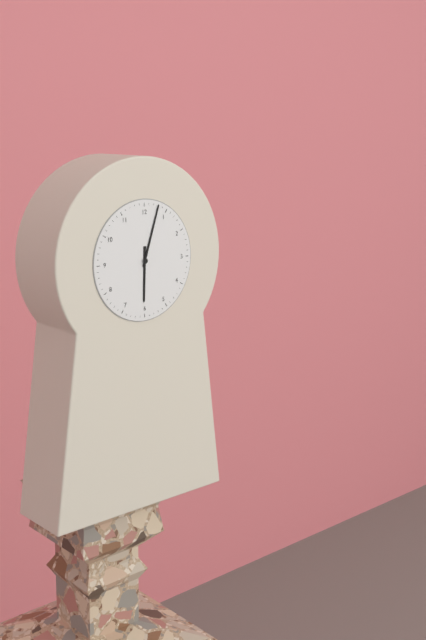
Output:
6 h 03 min
